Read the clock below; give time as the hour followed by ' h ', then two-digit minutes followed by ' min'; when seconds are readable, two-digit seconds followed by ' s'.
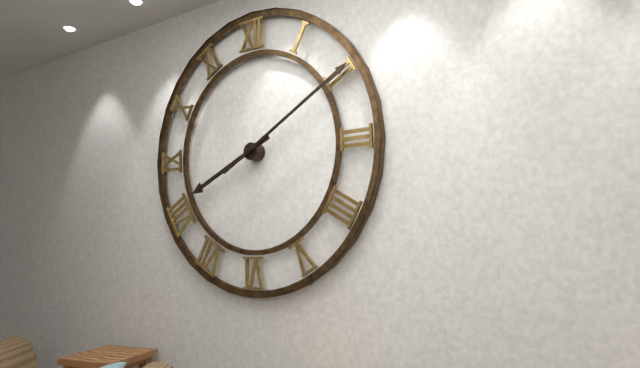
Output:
8 h 10 min
